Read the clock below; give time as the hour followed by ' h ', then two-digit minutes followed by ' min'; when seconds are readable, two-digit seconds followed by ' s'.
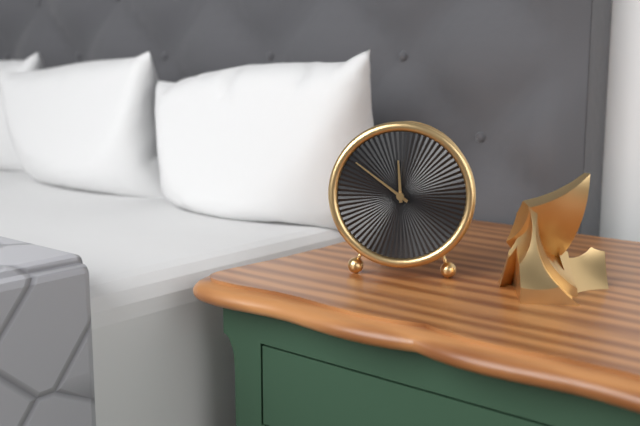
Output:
11 h 51 min
